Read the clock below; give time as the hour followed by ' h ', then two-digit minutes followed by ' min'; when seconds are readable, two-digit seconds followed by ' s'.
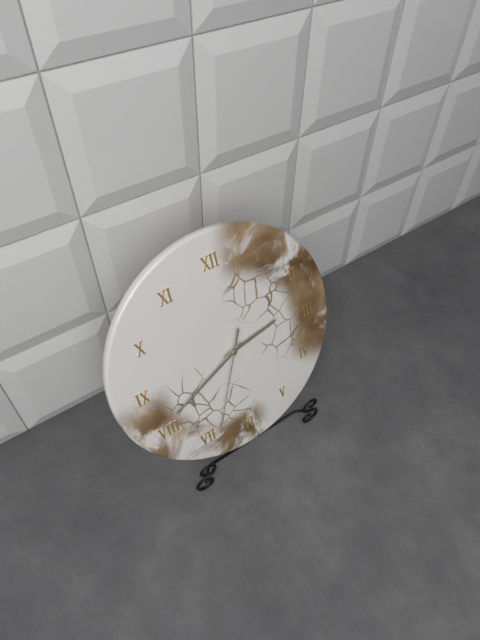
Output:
2 h 41 min 34 s
